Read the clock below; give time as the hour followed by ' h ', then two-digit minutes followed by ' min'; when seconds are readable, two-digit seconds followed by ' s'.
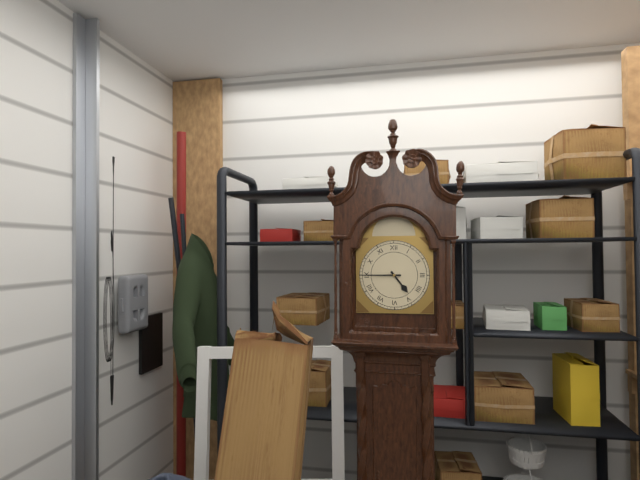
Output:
4 h 45 min
